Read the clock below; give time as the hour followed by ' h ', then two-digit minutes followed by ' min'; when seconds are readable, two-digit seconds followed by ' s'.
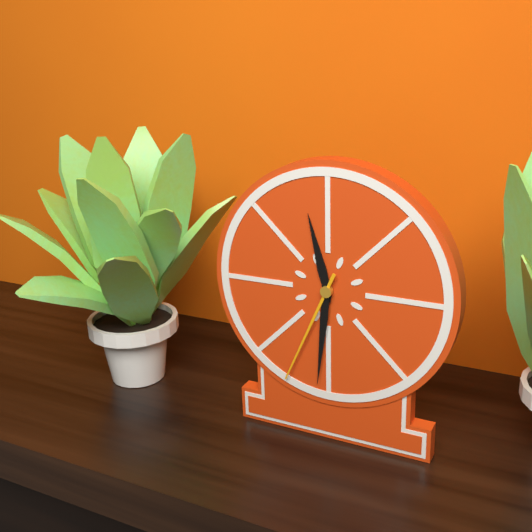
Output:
11 h 31 min 34 s
